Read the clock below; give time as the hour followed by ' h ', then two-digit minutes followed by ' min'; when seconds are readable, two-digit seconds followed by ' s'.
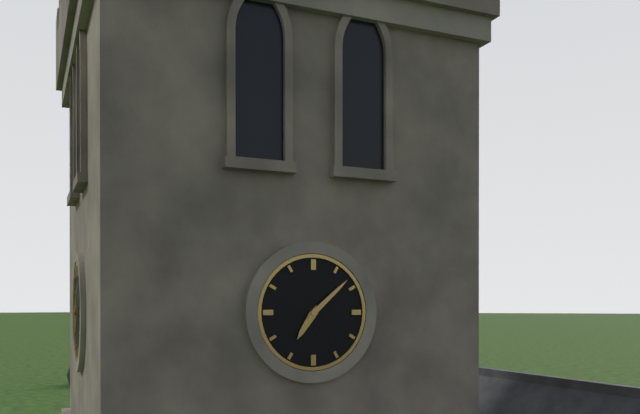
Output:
7 h 08 min
